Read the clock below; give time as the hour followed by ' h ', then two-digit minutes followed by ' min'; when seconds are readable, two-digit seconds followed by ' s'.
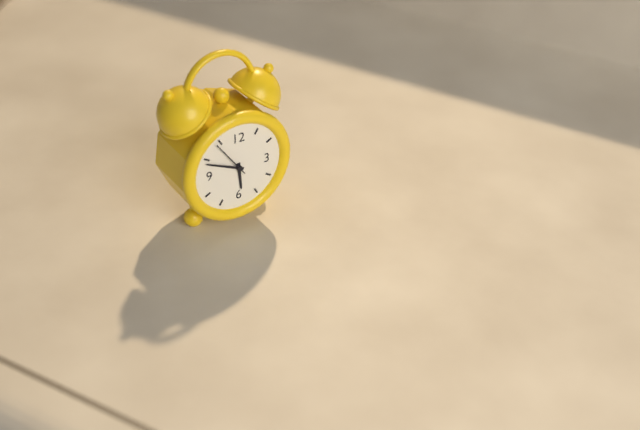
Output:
5 h 49 min
